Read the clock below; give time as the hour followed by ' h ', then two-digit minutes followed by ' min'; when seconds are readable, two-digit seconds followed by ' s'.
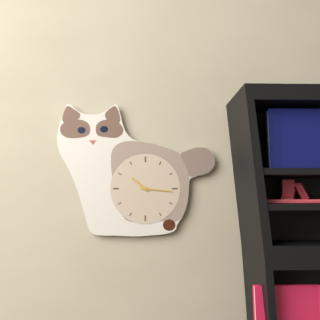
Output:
10 h 16 min
